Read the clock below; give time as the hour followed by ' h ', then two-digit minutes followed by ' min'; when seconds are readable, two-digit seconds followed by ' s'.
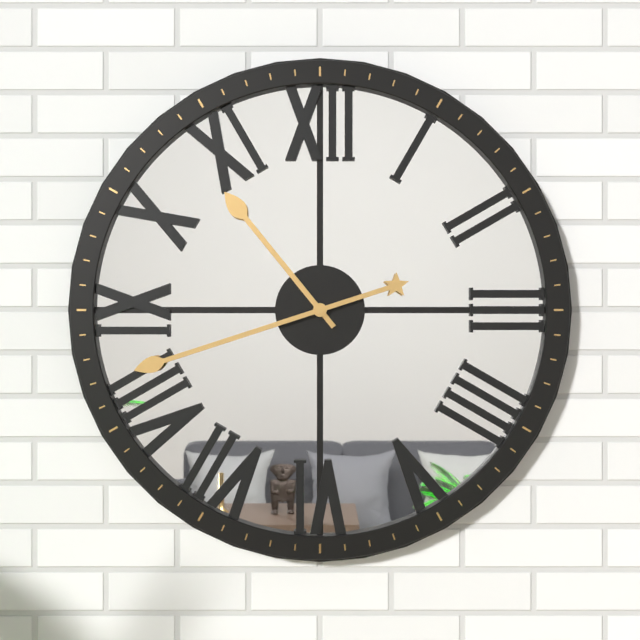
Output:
10 h 42 min
